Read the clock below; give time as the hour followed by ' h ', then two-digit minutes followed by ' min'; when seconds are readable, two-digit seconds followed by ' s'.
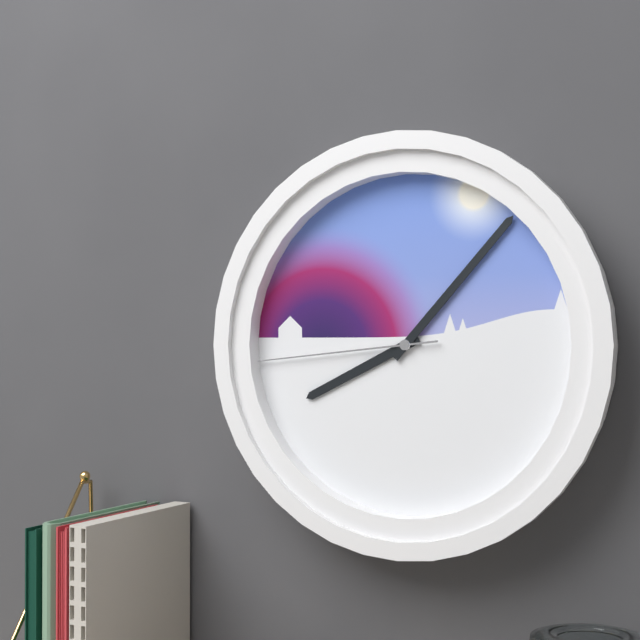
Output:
8 h 07 min 44 s
